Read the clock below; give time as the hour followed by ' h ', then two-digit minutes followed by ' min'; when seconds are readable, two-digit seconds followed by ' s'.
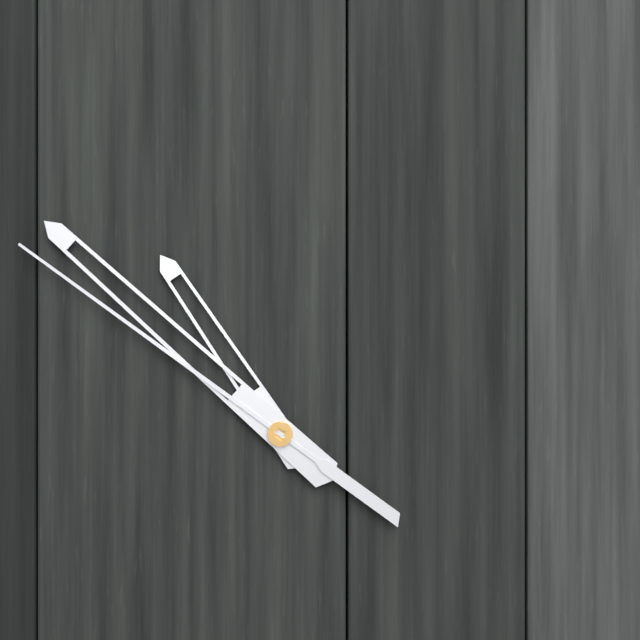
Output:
10 h 52 min 51 s
